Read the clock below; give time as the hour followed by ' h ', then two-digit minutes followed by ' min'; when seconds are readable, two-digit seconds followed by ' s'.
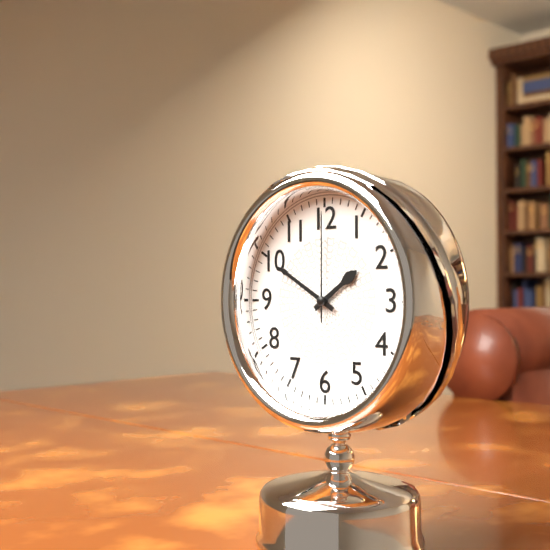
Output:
1 h 50 min 00 s
